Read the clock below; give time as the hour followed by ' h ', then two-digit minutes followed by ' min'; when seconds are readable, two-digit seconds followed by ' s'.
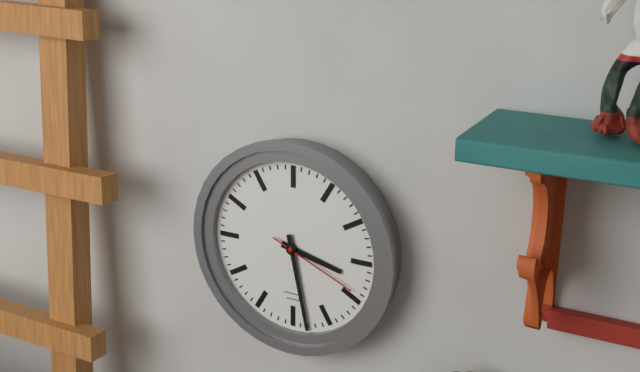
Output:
3 h 28 min 19 s
